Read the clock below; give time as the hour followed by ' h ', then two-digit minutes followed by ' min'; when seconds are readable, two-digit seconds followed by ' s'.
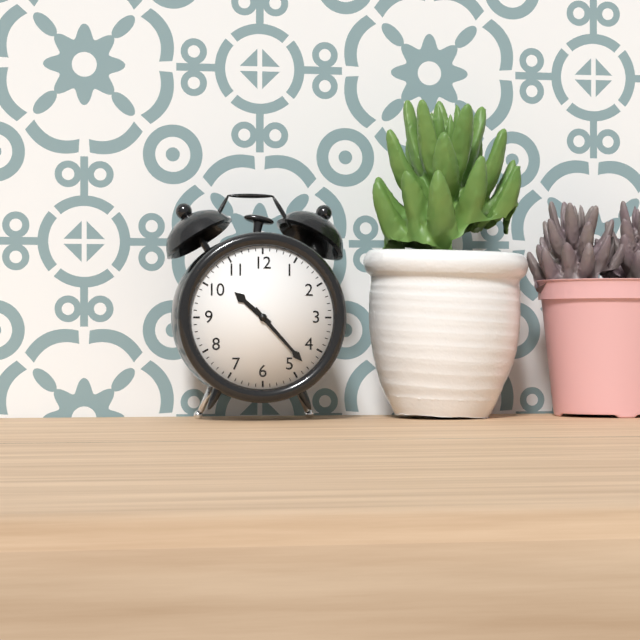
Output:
10 h 23 min
